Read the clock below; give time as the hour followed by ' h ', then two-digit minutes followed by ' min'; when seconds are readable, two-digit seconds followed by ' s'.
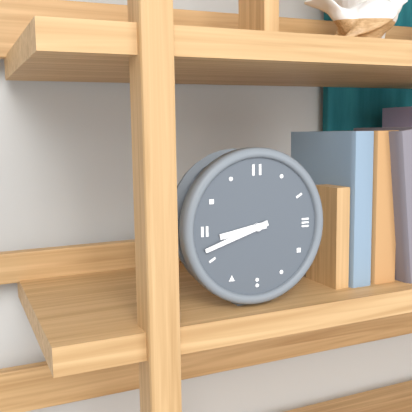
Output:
8 h 42 min
